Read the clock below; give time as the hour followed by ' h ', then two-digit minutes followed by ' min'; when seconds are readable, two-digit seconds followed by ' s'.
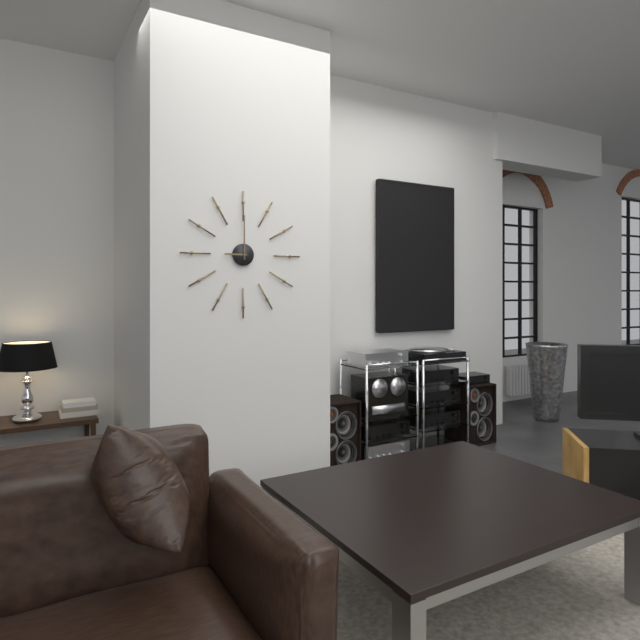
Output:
9 h 00 min
